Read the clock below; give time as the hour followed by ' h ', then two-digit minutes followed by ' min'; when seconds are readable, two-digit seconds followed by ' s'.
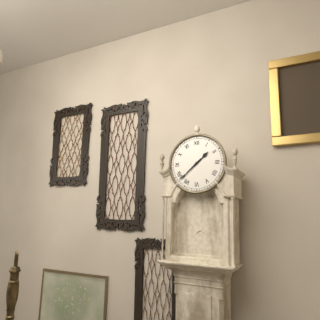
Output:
1 h 38 min
